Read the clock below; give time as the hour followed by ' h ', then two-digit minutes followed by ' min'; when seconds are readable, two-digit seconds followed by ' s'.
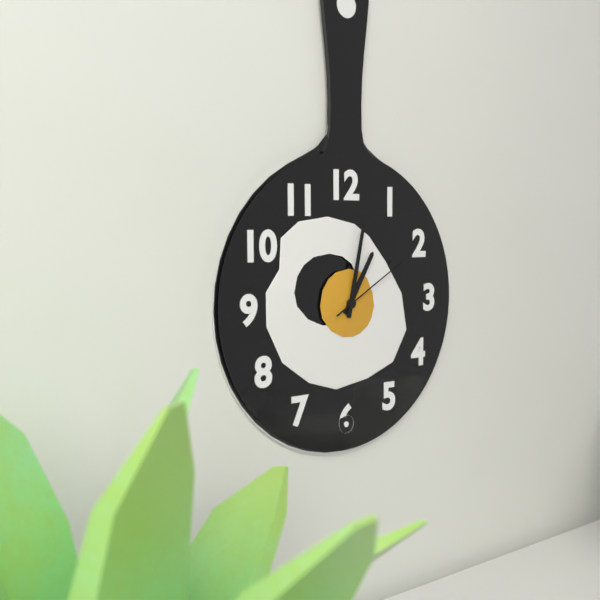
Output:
1 h 02 min 10 s
